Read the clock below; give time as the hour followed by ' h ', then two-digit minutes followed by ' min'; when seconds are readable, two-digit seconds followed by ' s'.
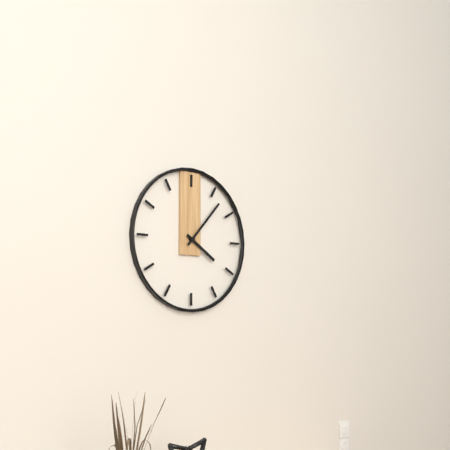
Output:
4 h 07 min
